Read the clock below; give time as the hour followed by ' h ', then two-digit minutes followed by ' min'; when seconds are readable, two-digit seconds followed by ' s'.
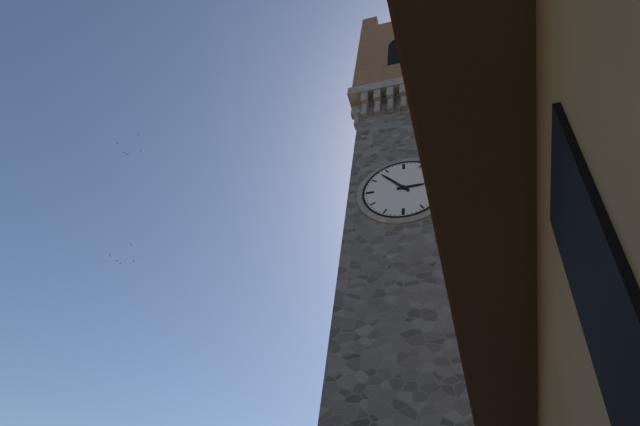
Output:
2 h 53 min
